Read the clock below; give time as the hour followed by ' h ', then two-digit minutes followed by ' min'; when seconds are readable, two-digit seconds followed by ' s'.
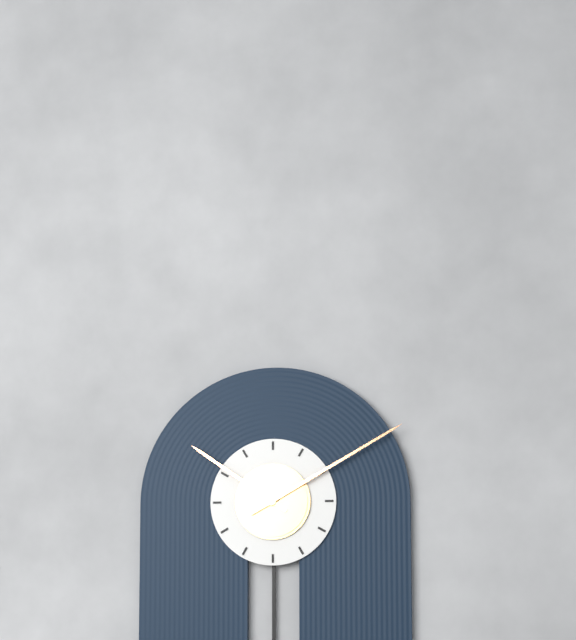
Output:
10 h 10 min
